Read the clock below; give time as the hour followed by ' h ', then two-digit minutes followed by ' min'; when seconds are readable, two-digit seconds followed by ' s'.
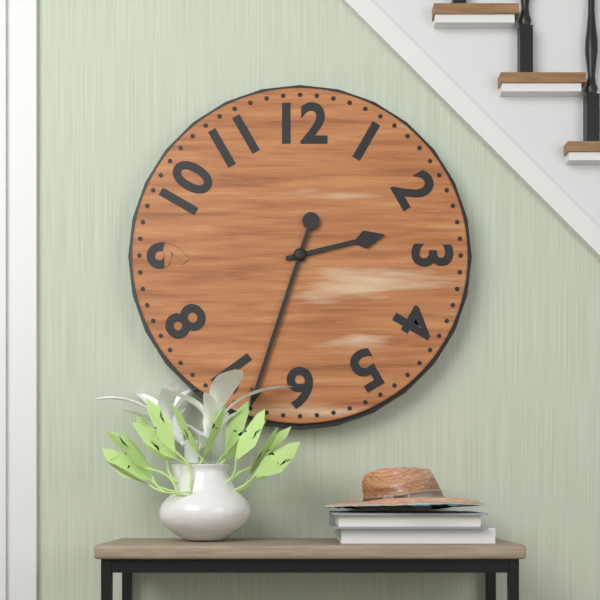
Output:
2 h 33 min
